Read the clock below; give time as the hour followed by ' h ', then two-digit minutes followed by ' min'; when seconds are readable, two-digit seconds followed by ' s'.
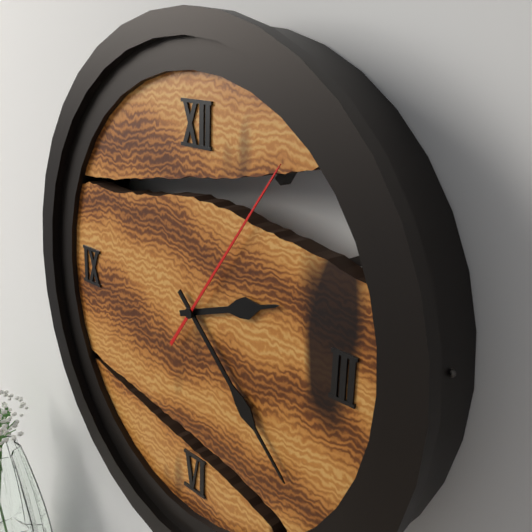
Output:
2 h 22 min 06 s
